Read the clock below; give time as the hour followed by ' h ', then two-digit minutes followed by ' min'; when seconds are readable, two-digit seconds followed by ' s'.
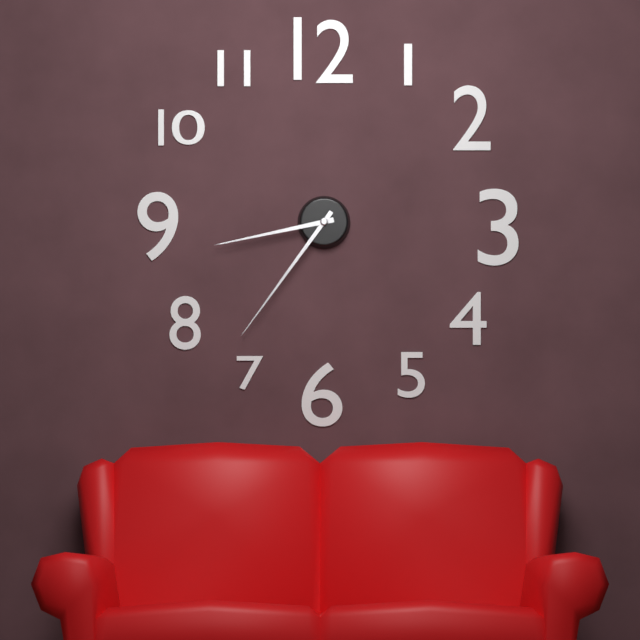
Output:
8 h 36 min
